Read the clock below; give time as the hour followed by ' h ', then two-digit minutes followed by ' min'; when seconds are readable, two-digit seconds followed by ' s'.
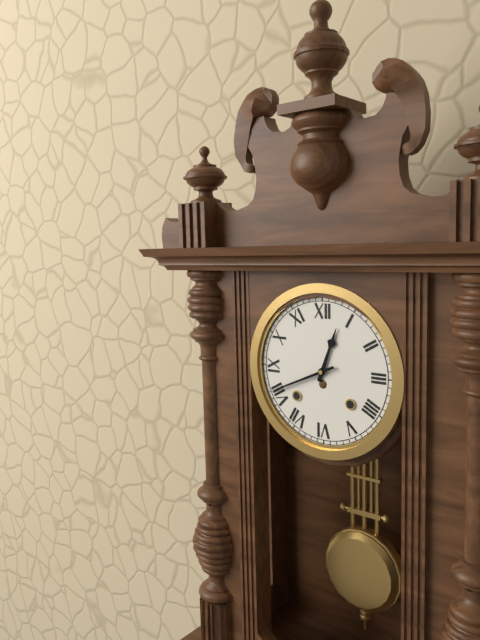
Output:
12 h 41 min
